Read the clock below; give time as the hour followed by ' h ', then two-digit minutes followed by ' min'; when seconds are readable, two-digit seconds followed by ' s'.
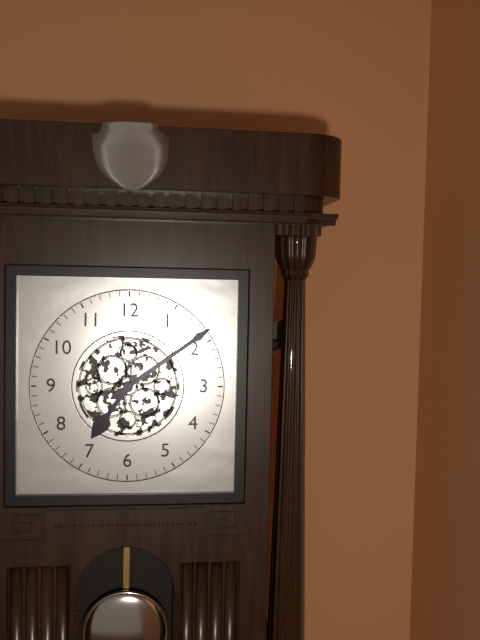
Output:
7 h 09 min
